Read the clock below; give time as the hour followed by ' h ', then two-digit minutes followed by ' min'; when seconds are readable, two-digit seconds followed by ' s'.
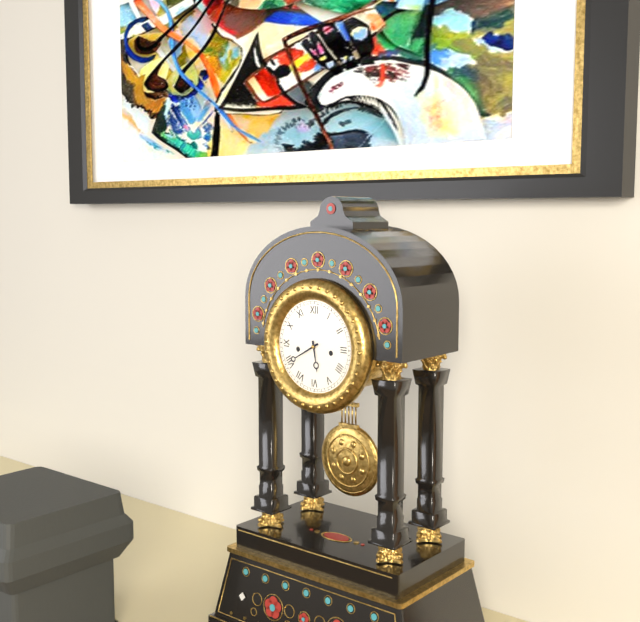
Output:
5 h 40 min
